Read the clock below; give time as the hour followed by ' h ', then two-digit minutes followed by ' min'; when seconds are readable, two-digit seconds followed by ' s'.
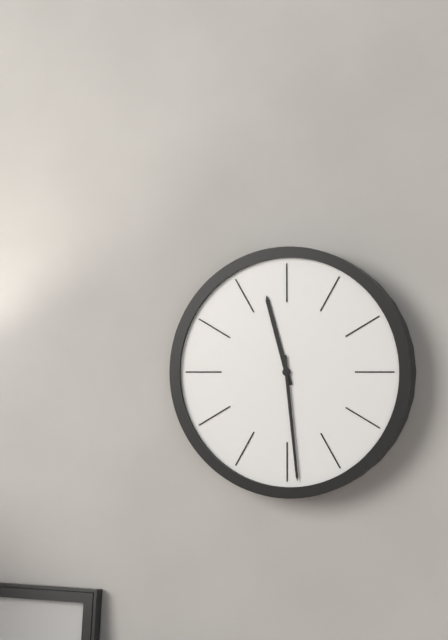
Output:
11 h 29 min
